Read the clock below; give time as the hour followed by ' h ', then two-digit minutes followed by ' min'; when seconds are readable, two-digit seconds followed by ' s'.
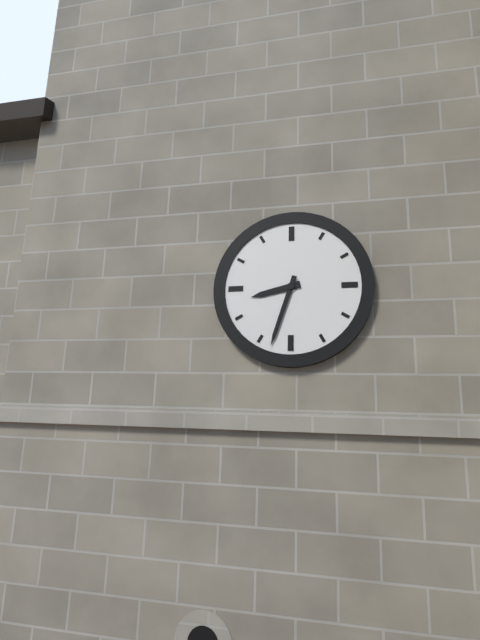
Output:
8 h 33 min
